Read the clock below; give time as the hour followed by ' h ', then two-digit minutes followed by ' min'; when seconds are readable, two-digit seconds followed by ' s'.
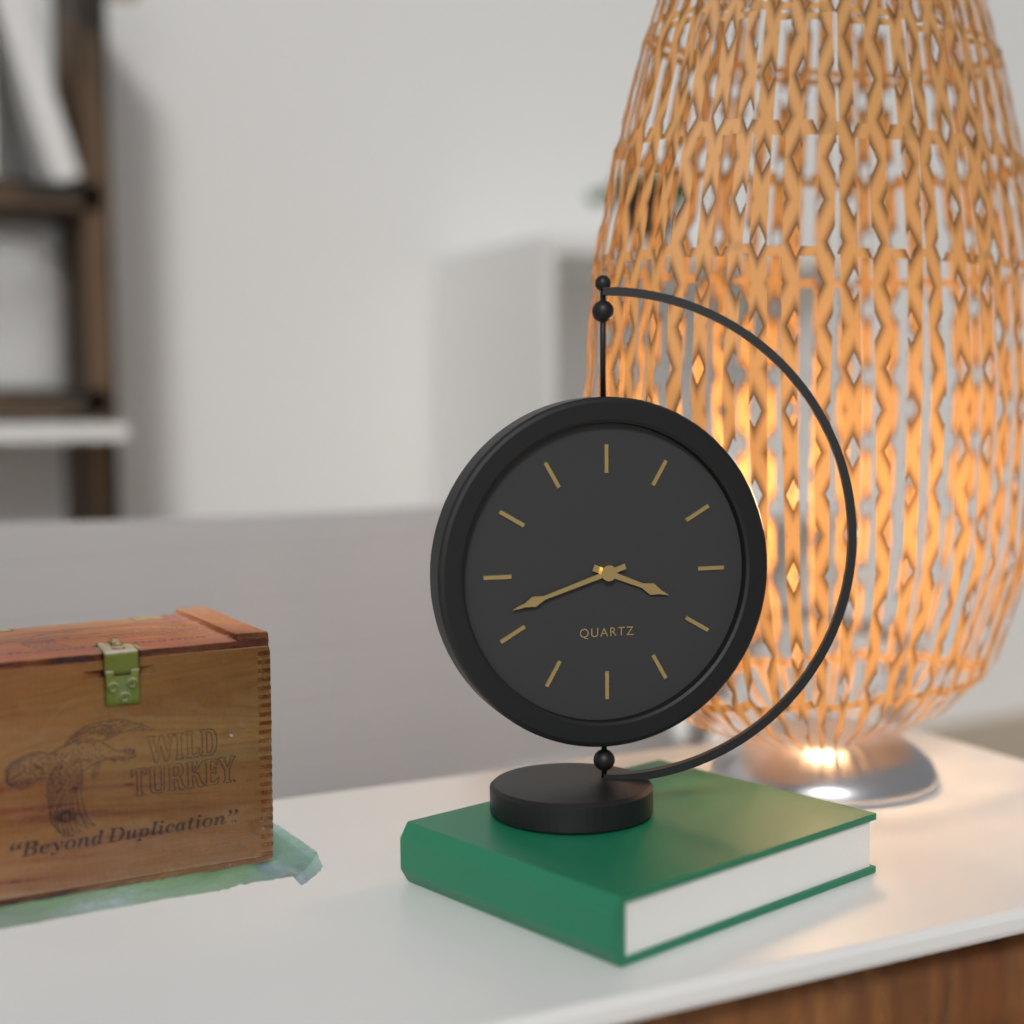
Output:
3 h 42 min
